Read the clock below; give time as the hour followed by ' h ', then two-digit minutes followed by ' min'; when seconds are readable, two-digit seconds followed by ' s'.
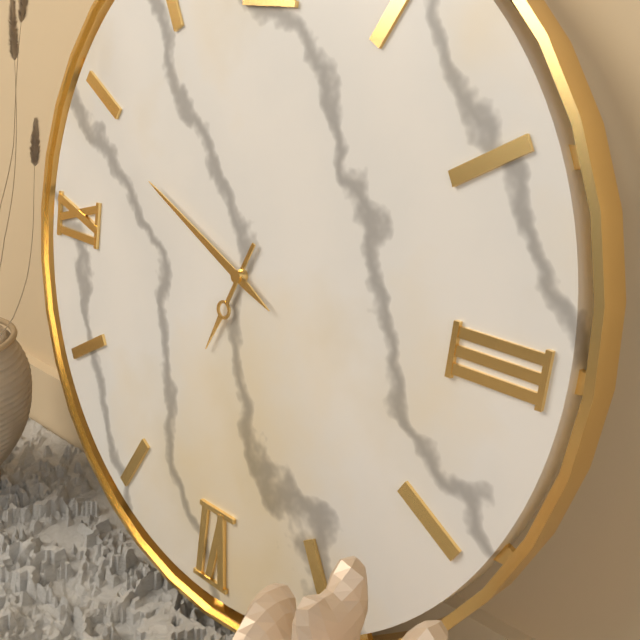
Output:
6 h 49 min
